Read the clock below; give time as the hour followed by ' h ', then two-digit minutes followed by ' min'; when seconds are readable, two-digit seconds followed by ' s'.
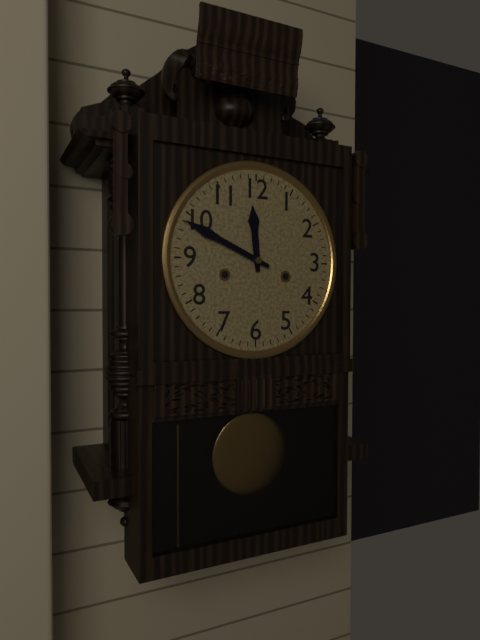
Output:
11 h 49 min
